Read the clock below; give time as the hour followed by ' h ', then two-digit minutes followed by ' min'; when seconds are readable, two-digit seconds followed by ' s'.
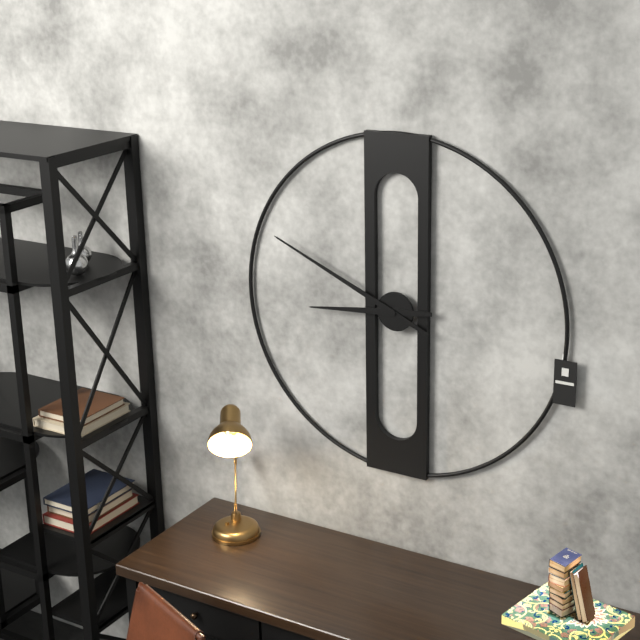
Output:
8 h 49 min
